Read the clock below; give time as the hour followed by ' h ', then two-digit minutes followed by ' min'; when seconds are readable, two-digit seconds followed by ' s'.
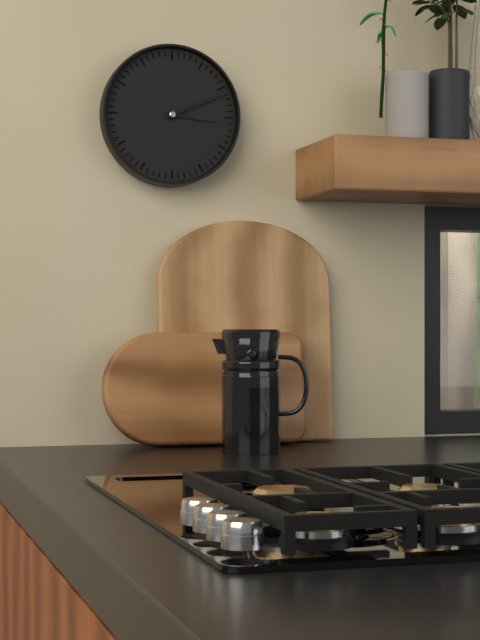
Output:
3 h 11 min
